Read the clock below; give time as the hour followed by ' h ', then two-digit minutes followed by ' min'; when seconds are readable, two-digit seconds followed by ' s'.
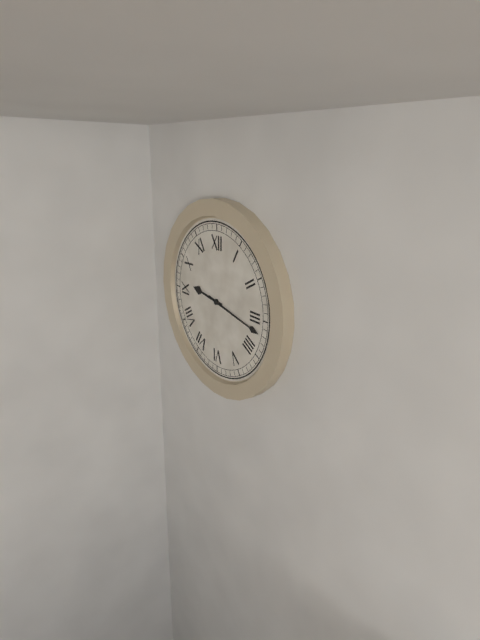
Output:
9 h 17 min
